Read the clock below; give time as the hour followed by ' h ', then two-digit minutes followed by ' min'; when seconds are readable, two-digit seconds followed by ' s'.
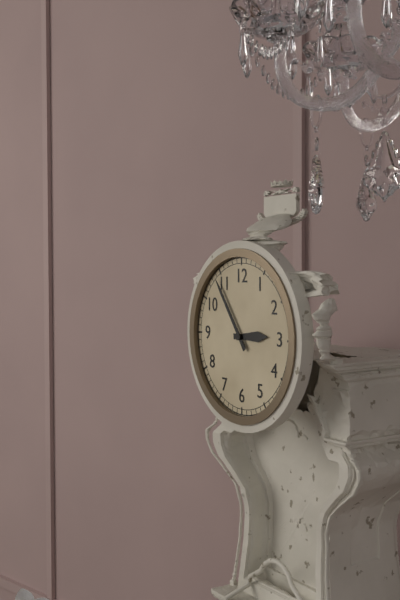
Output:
2 h 54 min
